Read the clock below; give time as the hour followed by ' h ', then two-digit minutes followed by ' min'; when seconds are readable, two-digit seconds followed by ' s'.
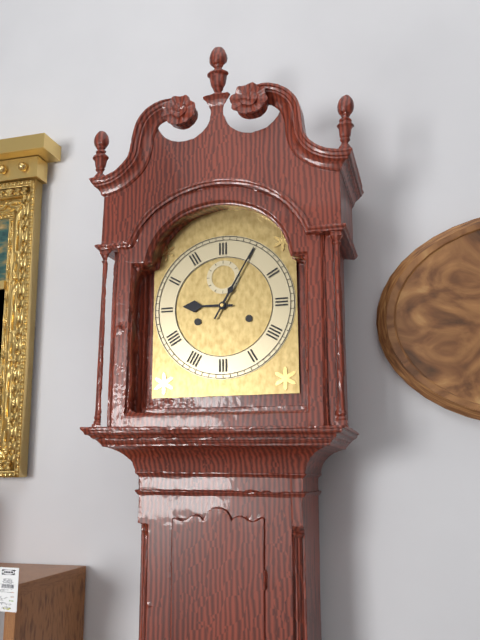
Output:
9 h 05 min
